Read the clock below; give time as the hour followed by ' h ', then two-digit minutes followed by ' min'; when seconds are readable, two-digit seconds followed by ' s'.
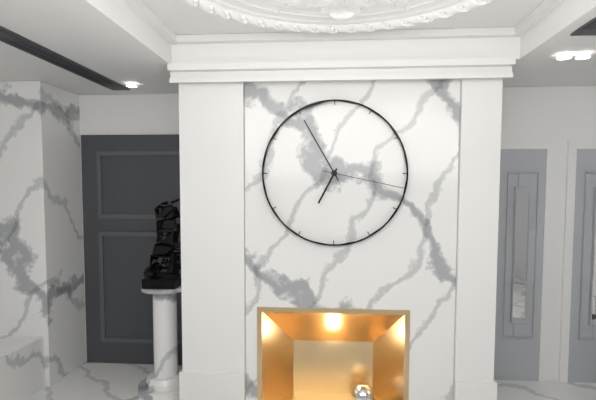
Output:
6 h 55 min 17 s
